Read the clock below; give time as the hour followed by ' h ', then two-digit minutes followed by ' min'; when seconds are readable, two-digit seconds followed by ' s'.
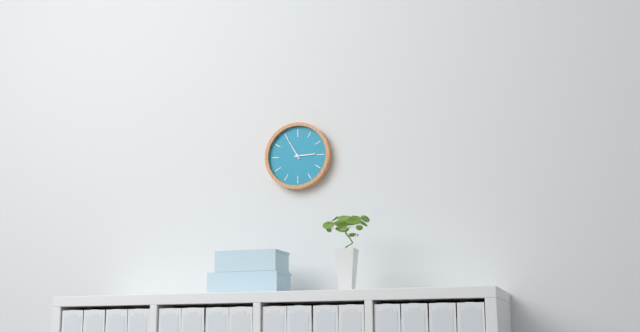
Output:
2 h 55 min
